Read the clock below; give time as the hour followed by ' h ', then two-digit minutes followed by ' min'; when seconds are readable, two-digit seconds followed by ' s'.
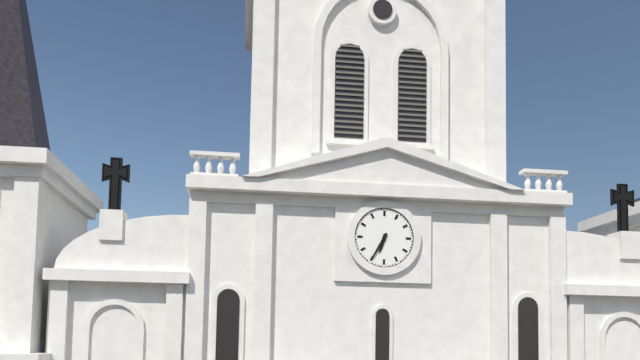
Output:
6 h 35 min
